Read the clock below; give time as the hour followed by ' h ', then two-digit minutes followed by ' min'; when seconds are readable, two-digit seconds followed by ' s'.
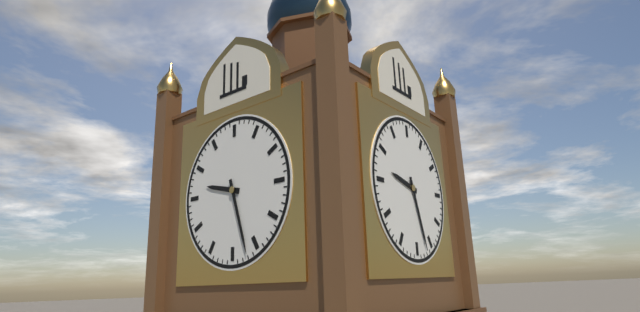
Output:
9 h 27 min
